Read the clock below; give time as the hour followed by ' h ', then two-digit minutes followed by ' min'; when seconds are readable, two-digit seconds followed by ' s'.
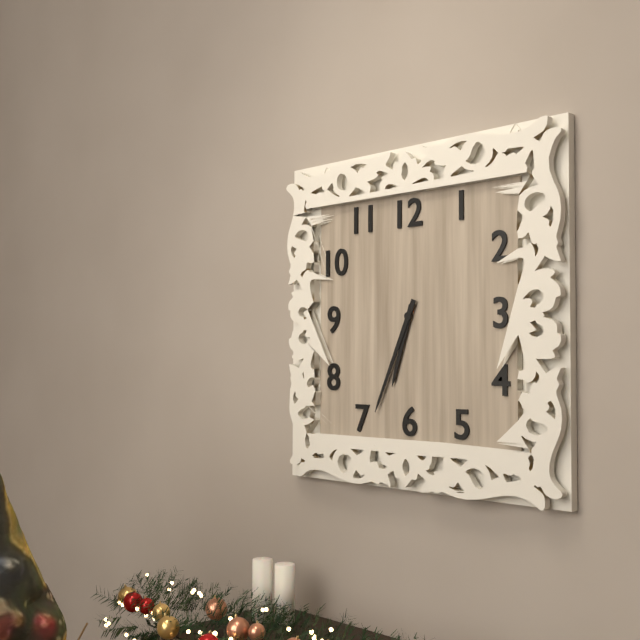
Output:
6 h 34 min
